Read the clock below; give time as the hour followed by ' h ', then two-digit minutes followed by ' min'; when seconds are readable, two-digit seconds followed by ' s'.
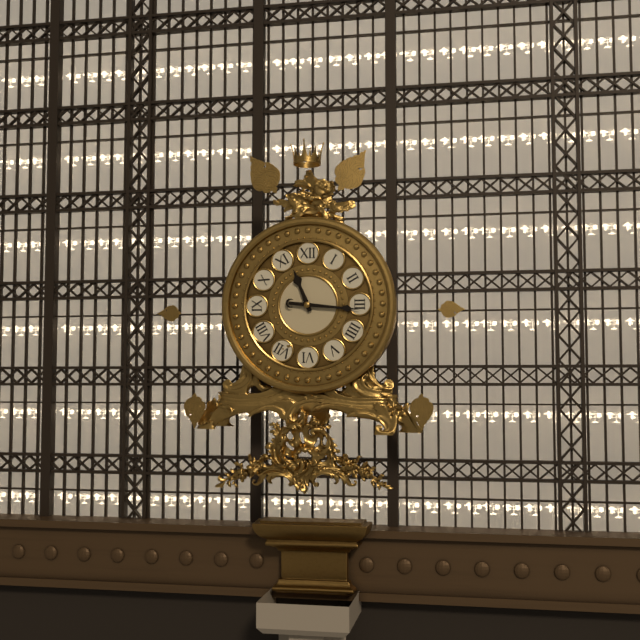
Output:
11 h 16 min
